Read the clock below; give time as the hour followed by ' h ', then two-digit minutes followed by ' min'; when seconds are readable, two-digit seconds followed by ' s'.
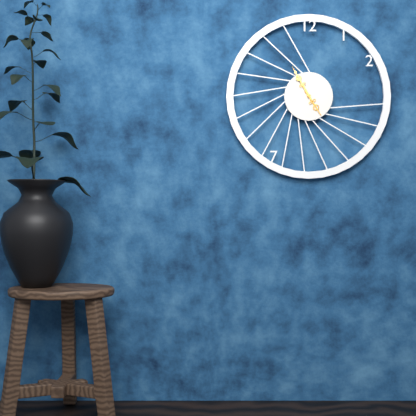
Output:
4 h 55 min
